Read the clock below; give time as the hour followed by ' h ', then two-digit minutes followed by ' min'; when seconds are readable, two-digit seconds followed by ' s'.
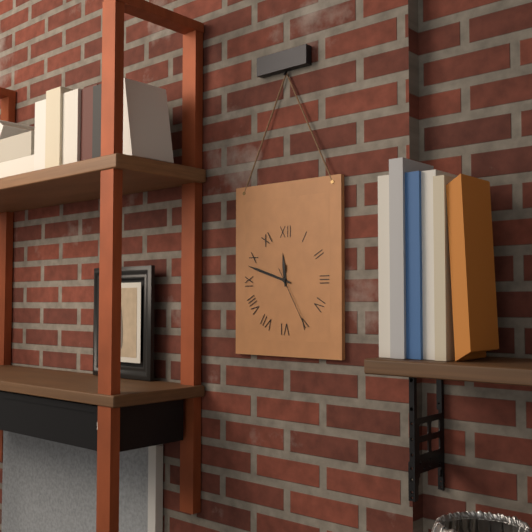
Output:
11 h 48 min 25 s
